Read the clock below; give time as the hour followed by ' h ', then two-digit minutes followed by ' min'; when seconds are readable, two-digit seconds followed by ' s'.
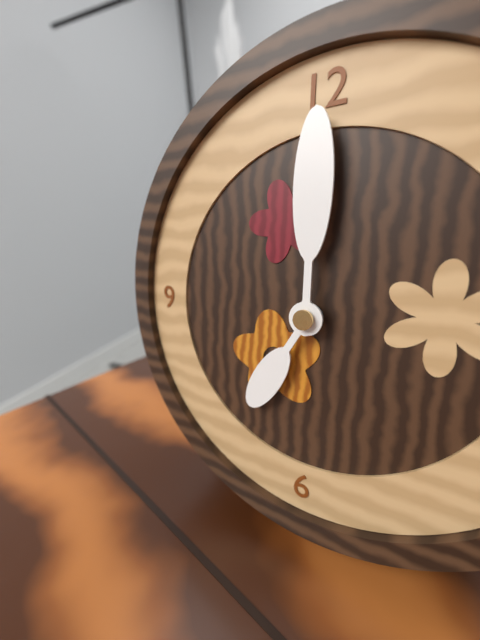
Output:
7 h 00 min
